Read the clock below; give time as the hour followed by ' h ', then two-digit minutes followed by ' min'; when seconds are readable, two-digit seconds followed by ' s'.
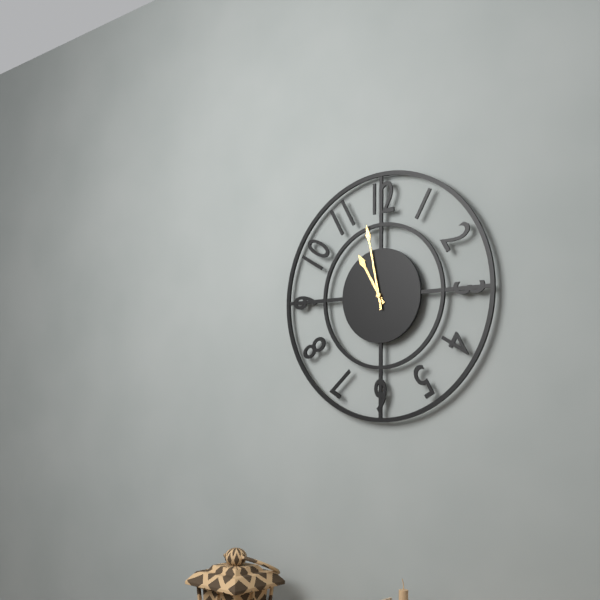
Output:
10 h 58 min
